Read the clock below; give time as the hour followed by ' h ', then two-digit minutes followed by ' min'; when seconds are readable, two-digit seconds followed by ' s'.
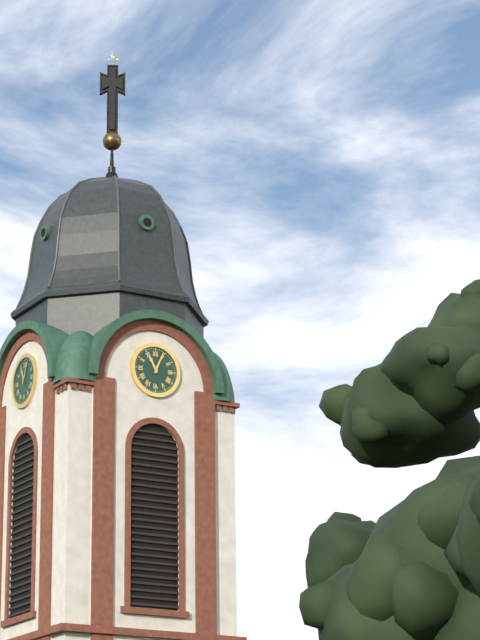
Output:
11 h 04 min
